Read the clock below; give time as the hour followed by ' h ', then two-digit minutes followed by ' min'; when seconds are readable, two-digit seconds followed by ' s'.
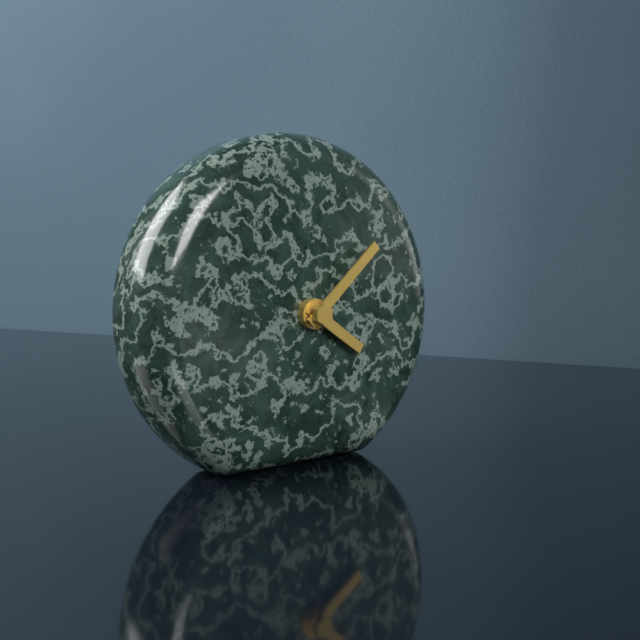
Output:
4 h 08 min
